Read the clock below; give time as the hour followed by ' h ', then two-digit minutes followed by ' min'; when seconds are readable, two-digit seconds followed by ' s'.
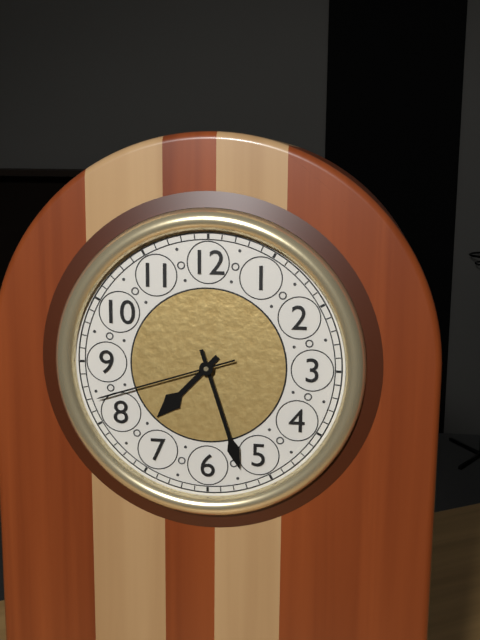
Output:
7 h 27 min 42 s
